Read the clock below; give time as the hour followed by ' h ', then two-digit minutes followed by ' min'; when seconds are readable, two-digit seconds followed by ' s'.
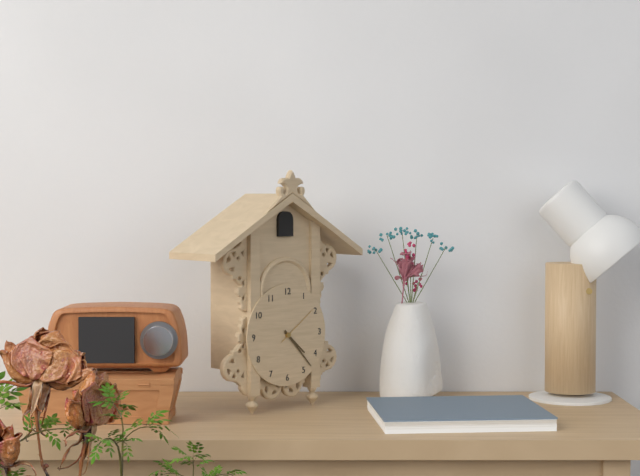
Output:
4 h 23 min
